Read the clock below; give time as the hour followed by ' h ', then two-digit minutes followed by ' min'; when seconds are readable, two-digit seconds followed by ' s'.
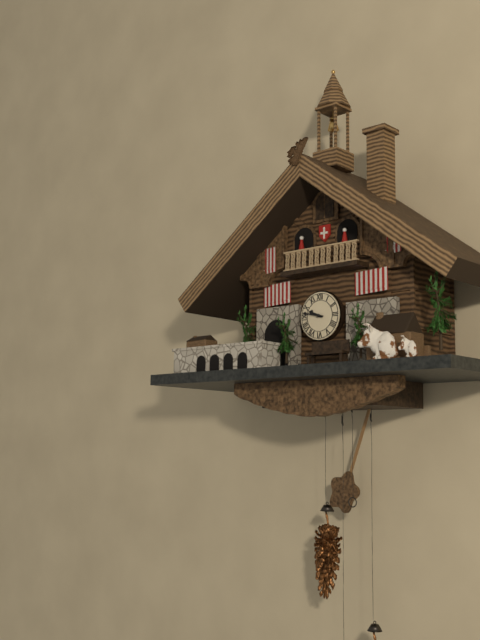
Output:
9 h 47 min
